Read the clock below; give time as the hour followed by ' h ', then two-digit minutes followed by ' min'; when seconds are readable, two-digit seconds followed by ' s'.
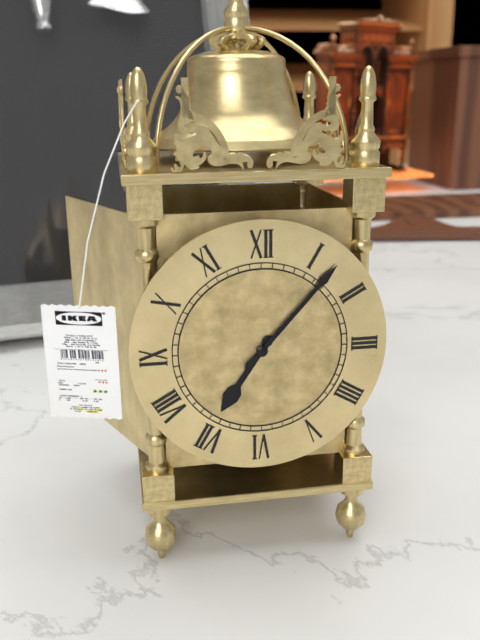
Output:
7 h 07 min
